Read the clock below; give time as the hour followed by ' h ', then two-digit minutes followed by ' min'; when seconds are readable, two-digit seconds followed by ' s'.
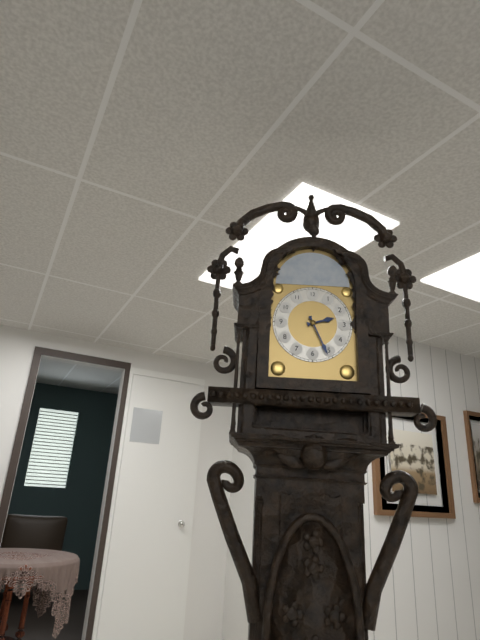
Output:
2 h 26 min
